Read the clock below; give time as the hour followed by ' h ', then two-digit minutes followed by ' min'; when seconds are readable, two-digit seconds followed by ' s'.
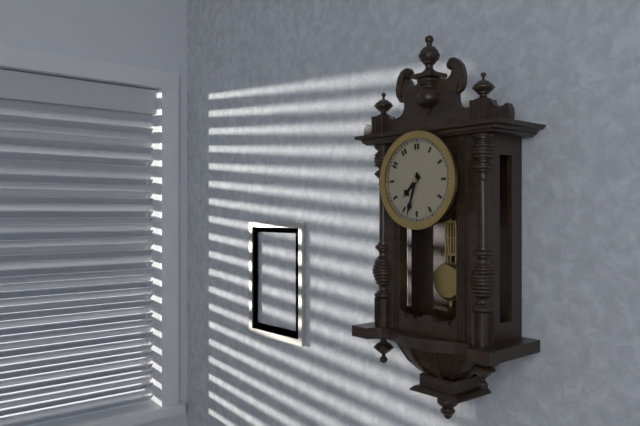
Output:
7 h 33 min
